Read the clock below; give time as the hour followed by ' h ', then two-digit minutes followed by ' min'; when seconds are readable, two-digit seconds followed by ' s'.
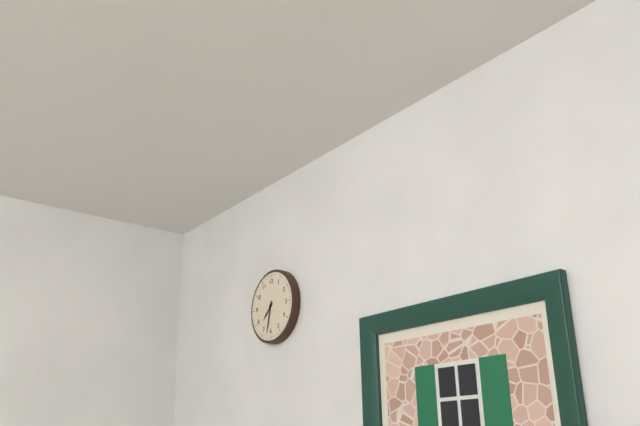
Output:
7 h 32 min
